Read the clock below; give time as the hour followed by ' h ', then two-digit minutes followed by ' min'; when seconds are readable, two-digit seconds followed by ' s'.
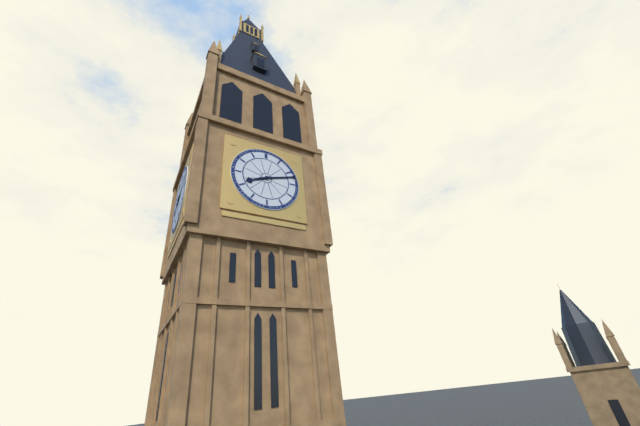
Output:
8 h 12 min
